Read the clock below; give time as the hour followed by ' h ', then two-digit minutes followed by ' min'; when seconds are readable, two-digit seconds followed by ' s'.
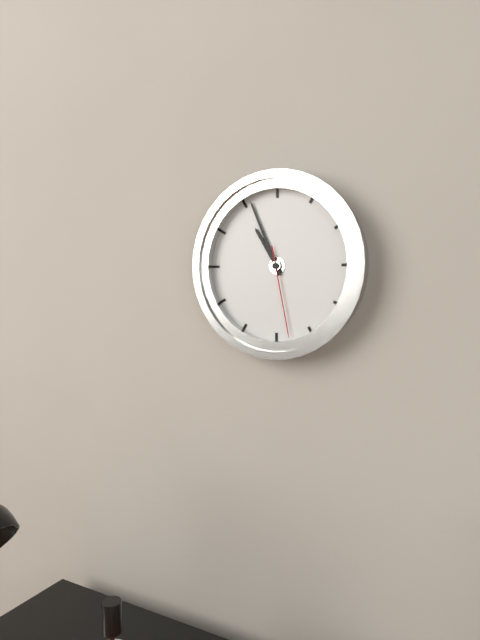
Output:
10 h 56 min 28 s
